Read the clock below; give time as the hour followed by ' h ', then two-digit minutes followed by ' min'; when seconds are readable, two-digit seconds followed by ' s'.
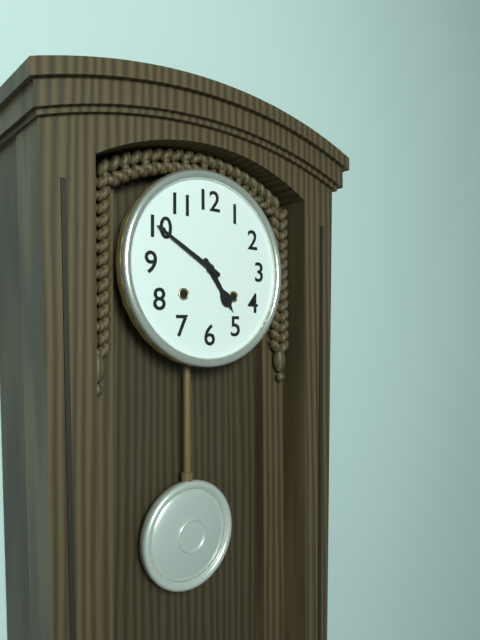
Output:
4 h 50 min
